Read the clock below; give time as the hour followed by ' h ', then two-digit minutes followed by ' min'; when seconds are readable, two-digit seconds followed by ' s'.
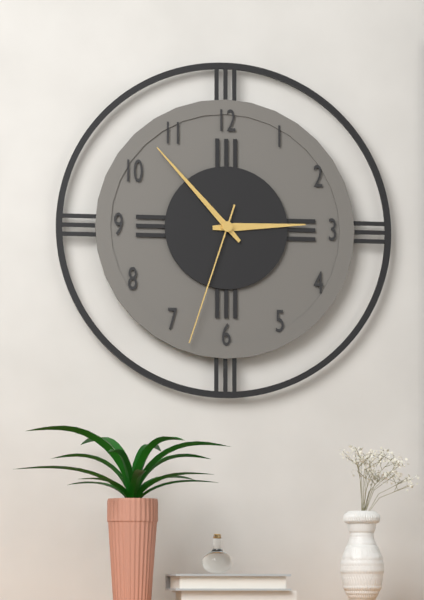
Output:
2 h 53 min 33 s
